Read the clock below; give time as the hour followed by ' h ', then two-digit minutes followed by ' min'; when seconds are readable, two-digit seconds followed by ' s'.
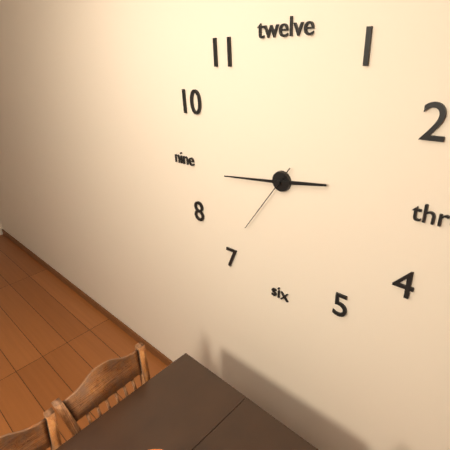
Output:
2 h 44 min 36 s
